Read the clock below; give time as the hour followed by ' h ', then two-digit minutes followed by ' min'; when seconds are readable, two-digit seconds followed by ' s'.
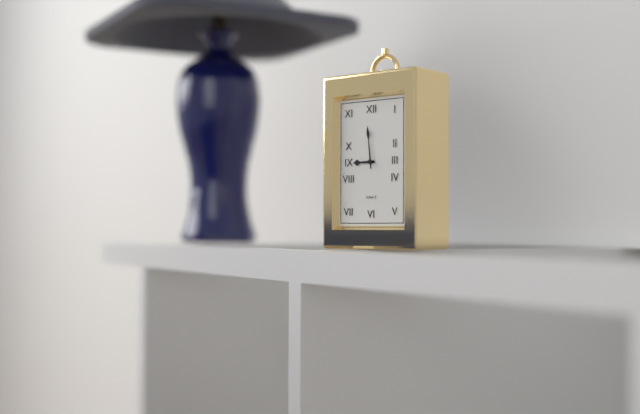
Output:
8 h 59 min
